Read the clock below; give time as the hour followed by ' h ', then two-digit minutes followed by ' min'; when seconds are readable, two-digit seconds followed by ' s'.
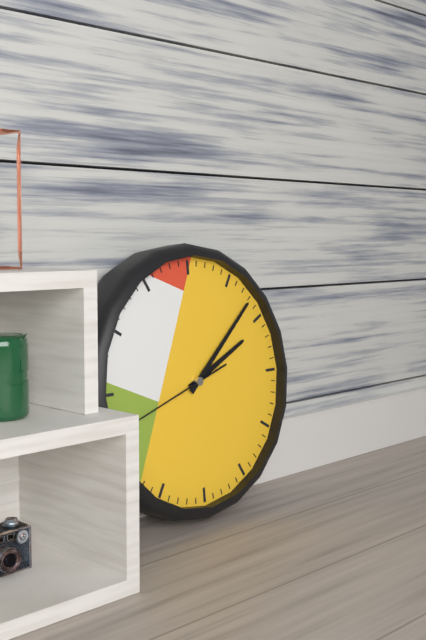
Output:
2 h 08 min 42 s
